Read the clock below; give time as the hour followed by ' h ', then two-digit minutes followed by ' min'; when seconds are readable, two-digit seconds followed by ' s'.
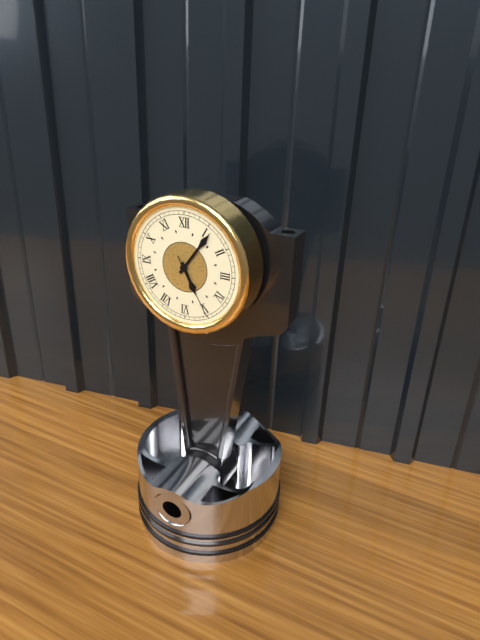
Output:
5 h 06 min 25 s
